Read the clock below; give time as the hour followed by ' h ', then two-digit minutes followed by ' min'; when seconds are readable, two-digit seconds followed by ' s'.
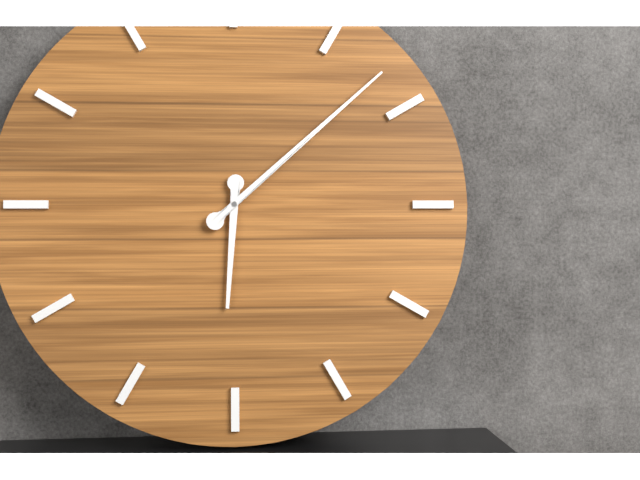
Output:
6 h 08 min
